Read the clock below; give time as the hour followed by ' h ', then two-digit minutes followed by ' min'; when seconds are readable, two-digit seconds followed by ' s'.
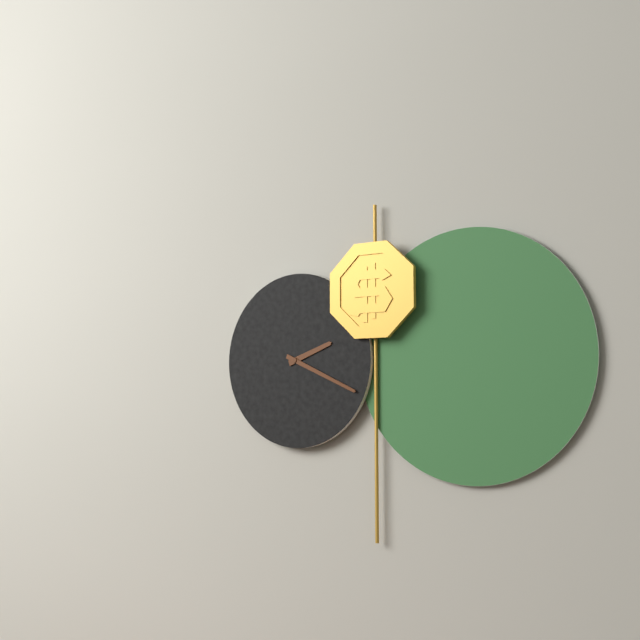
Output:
2 h 19 min
